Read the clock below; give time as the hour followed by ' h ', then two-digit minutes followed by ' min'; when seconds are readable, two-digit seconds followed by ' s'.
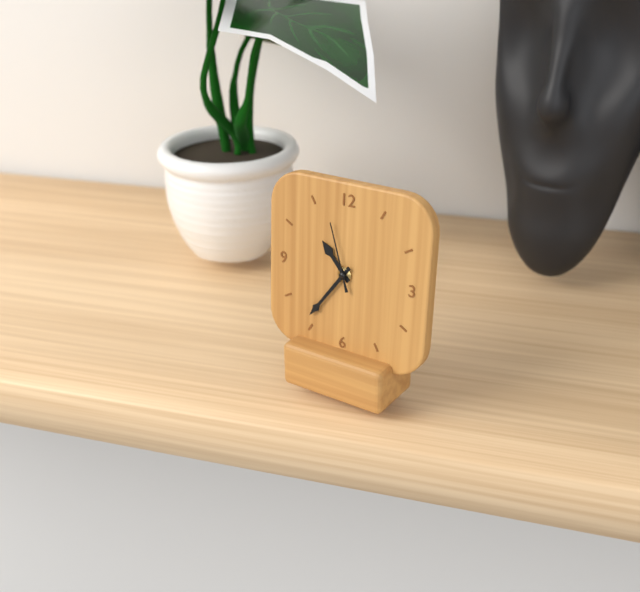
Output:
10 h 36 min 57 s
